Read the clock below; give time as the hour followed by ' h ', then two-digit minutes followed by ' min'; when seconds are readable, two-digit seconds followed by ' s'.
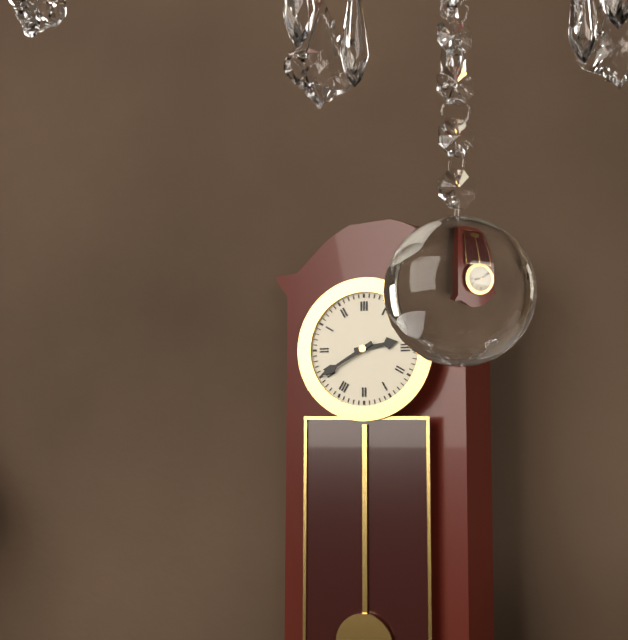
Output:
2 h 40 min
